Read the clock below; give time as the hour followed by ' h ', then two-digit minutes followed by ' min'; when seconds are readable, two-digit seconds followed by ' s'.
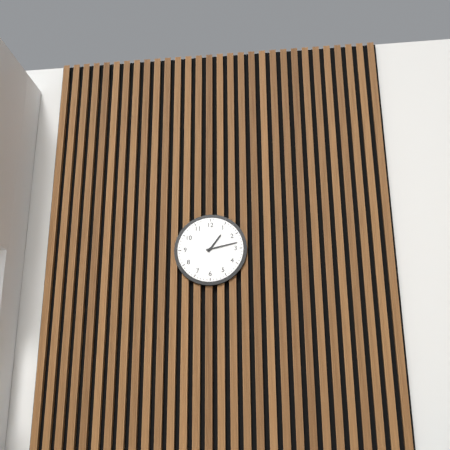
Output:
1 h 13 min
